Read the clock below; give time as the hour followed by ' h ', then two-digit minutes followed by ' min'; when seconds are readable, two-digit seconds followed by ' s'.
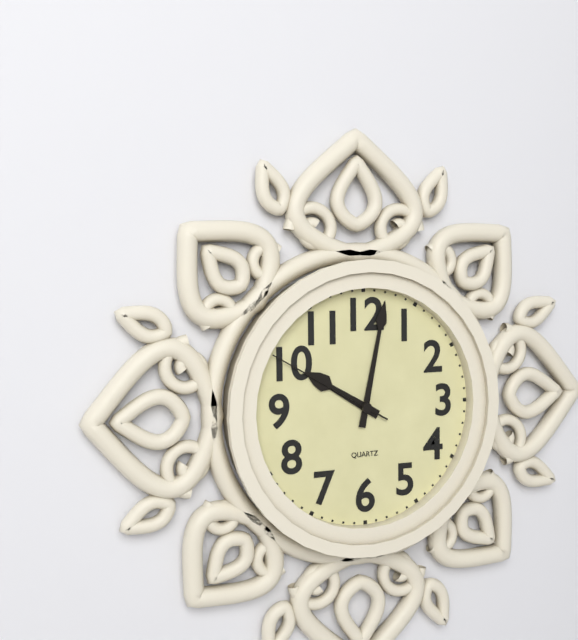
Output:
10 h 02 min 50 s
